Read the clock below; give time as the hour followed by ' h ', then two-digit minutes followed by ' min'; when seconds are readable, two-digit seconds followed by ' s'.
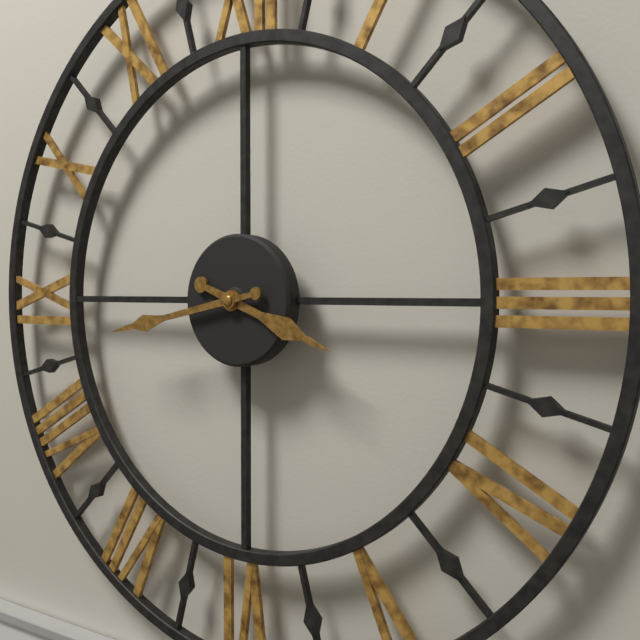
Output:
3 h 43 min
